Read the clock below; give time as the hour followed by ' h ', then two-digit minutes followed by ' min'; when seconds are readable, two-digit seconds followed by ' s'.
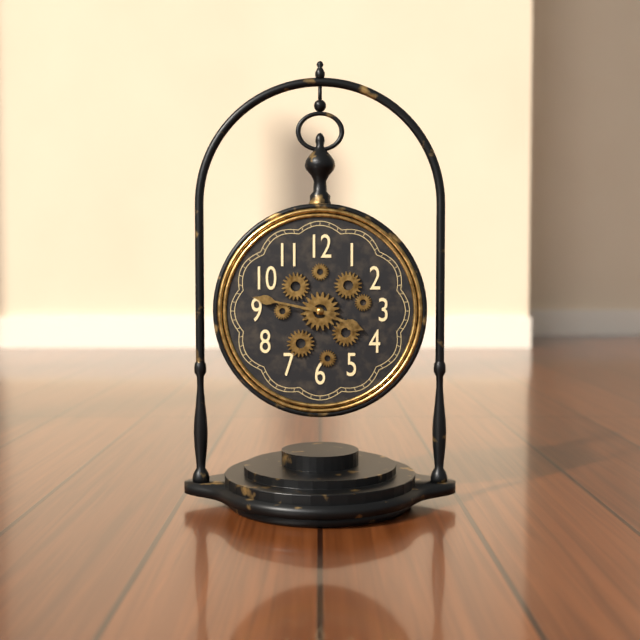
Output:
3 h 47 min
